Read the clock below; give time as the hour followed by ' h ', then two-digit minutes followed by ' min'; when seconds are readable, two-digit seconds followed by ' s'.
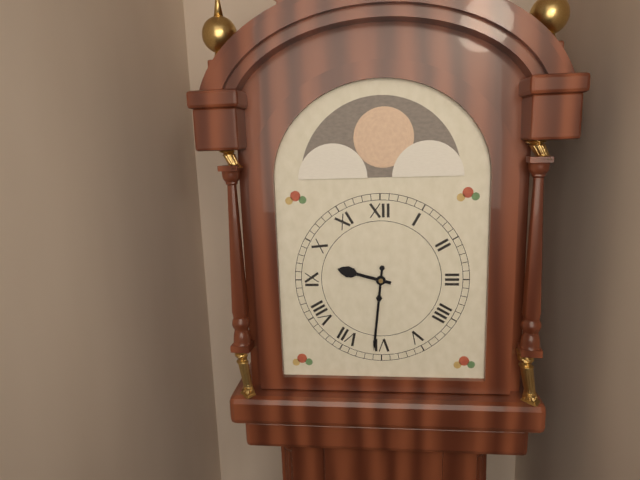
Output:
9 h 31 min
